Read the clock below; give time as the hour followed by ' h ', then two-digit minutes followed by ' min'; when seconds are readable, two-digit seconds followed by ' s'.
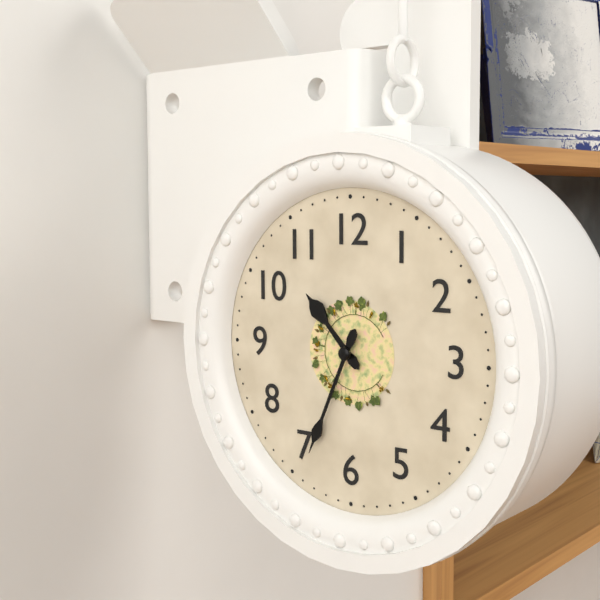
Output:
10 h 34 min
